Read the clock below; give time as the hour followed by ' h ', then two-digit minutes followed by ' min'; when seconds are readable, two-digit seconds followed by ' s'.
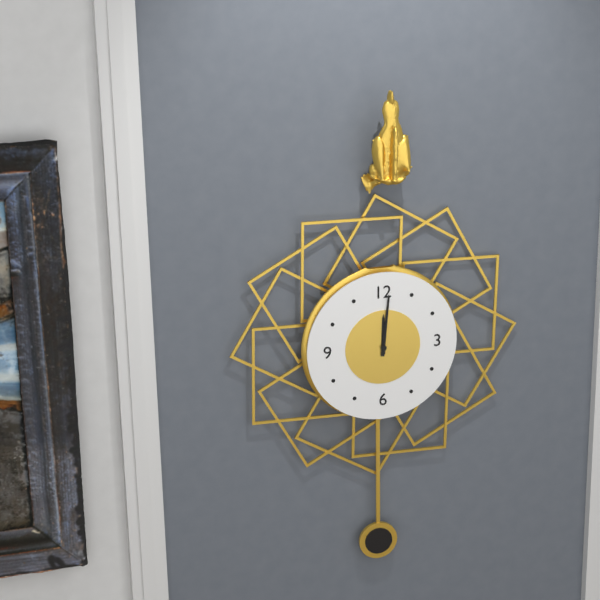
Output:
12 h 01 min
